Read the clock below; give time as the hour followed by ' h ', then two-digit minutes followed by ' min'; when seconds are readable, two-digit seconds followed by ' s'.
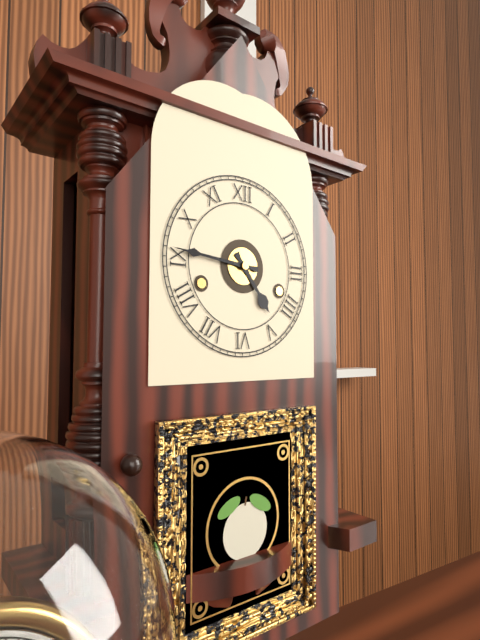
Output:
4 h 46 min
